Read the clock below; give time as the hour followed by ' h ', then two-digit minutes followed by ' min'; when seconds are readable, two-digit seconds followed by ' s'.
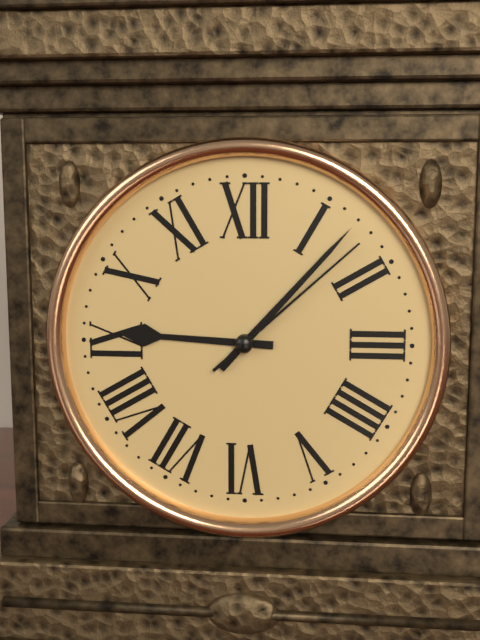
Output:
9 h 07 min 08 s
